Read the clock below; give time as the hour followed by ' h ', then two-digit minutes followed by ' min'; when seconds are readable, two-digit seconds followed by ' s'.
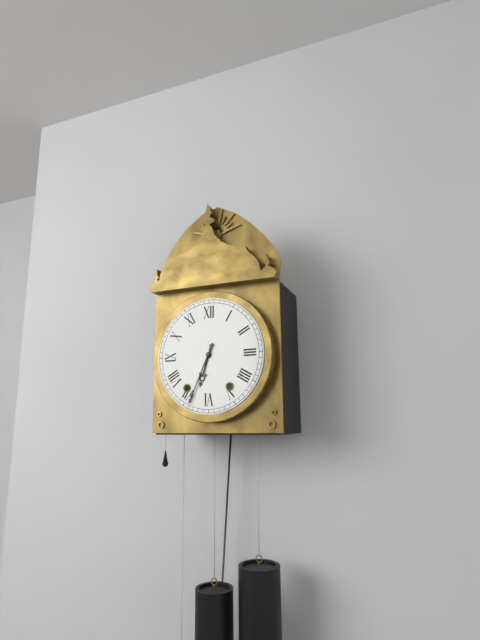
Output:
6 h 34 min
